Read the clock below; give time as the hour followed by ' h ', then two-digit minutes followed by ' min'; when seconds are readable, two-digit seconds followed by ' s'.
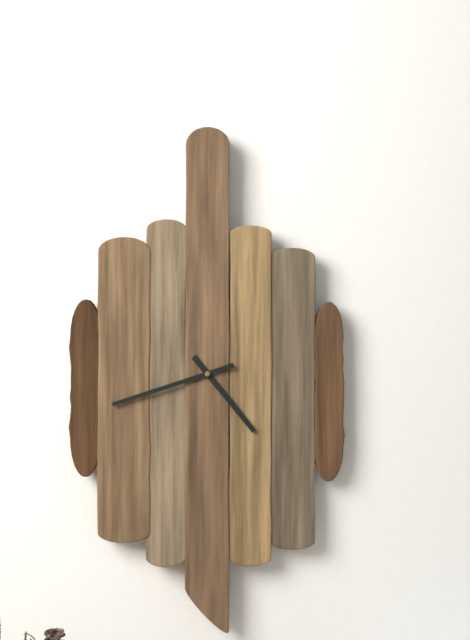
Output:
4 h 42 min
